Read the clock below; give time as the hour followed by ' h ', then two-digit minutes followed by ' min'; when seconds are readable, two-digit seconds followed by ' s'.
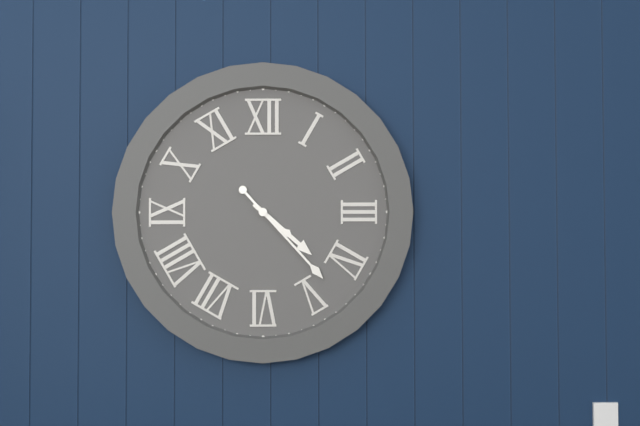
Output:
4 h 23 min
